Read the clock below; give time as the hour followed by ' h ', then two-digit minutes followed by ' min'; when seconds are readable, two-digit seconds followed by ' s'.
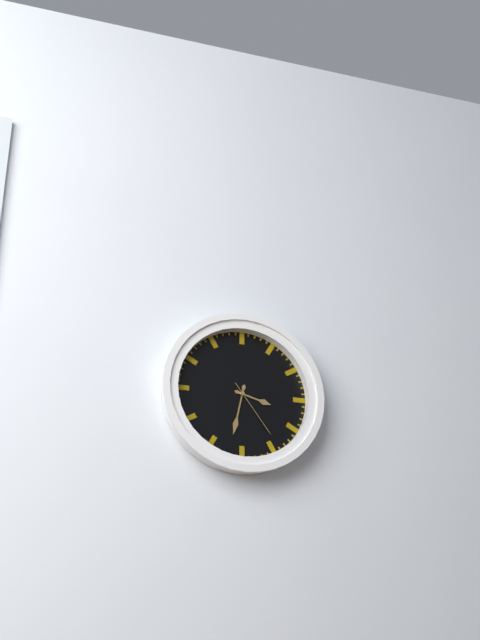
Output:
3 h 32 min 24 s
